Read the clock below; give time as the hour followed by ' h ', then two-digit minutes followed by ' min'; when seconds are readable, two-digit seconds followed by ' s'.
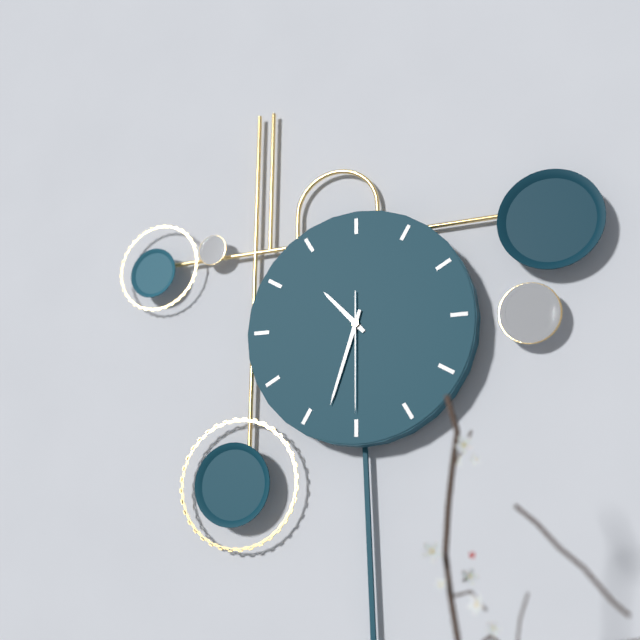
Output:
10 h 33 min 30 s
